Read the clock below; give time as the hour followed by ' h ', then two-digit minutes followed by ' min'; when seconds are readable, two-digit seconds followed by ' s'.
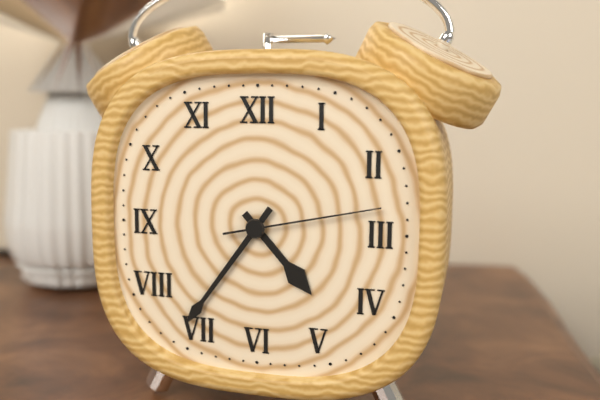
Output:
4 h 36 min 13 s
